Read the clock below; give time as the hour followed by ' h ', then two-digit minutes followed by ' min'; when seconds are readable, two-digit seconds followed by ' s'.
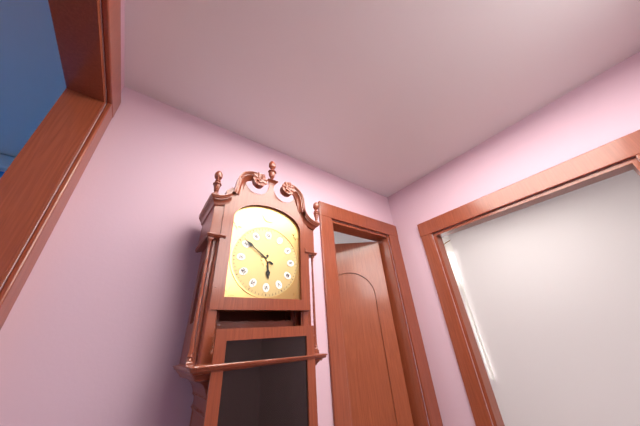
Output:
5 h 51 min
